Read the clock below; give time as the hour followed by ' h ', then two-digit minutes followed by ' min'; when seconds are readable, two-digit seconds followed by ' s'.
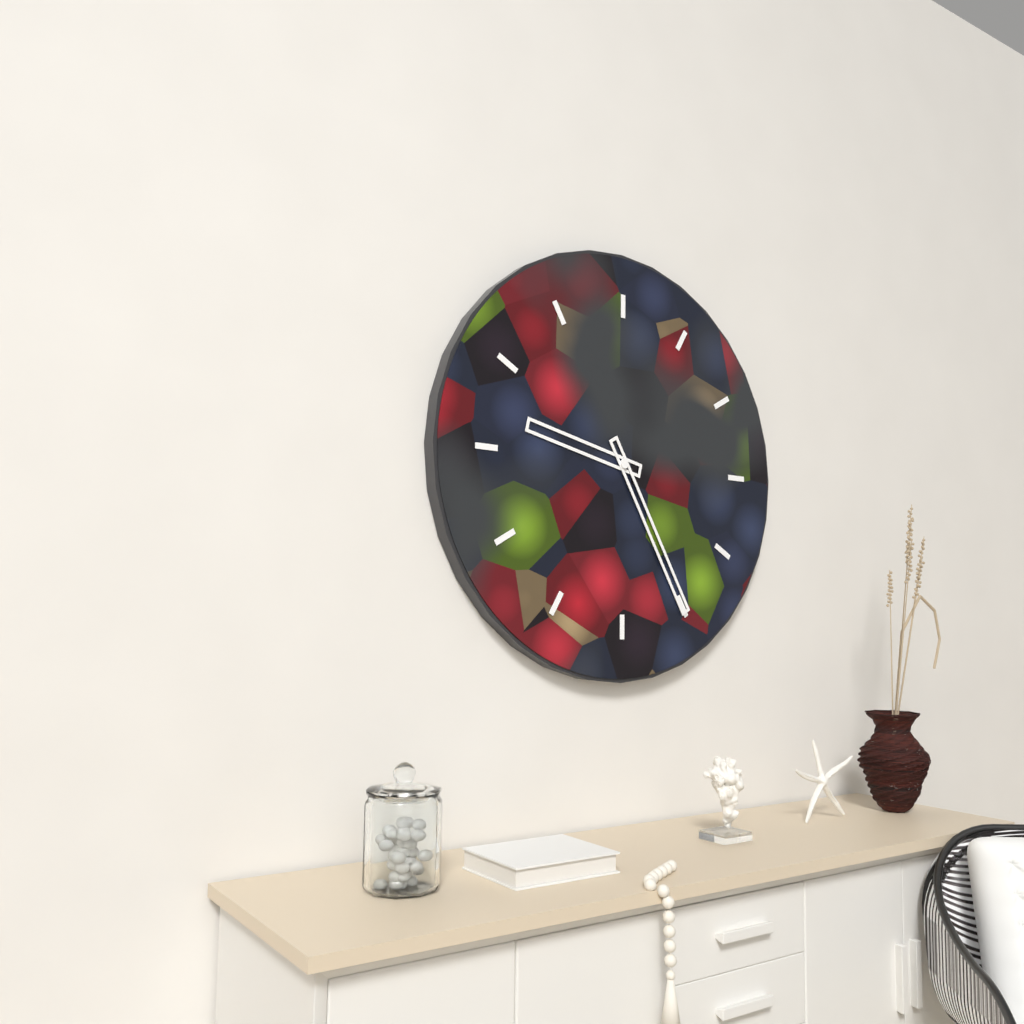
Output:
9 h 25 min
